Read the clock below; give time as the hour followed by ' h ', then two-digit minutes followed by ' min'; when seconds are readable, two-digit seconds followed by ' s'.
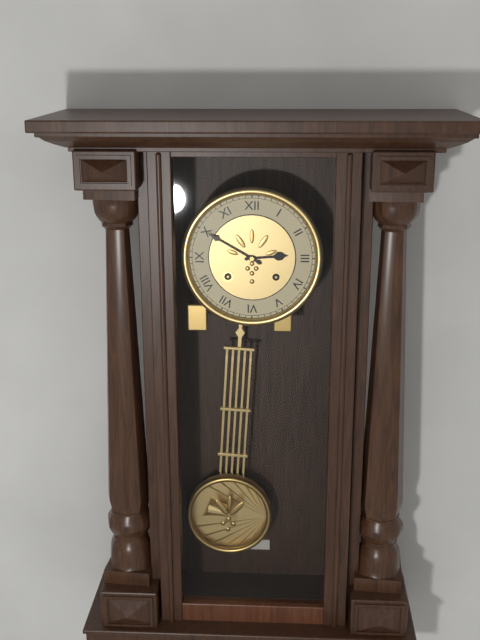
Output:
2 h 50 min
